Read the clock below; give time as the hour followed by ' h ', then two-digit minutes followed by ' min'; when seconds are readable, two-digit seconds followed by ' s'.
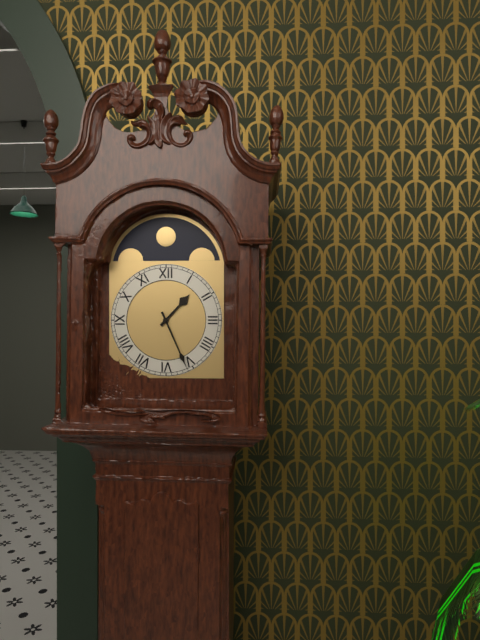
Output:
1 h 26 min
